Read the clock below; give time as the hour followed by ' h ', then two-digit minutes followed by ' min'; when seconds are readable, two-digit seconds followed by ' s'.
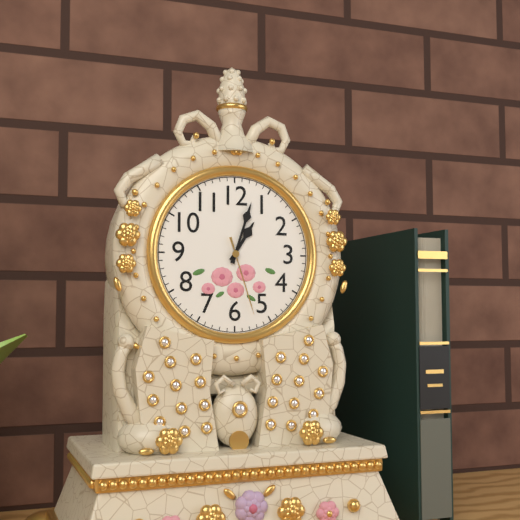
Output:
1 h 03 min 27 s
